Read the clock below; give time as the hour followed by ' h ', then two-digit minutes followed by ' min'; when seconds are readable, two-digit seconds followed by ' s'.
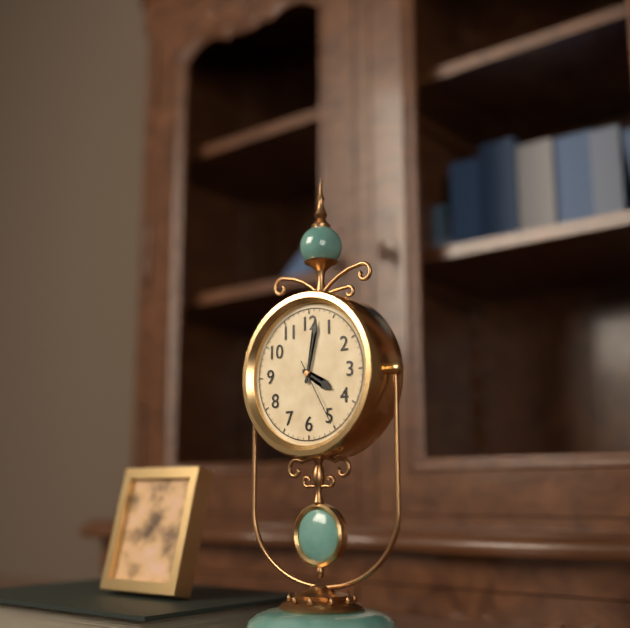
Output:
4 h 02 min 25 s
